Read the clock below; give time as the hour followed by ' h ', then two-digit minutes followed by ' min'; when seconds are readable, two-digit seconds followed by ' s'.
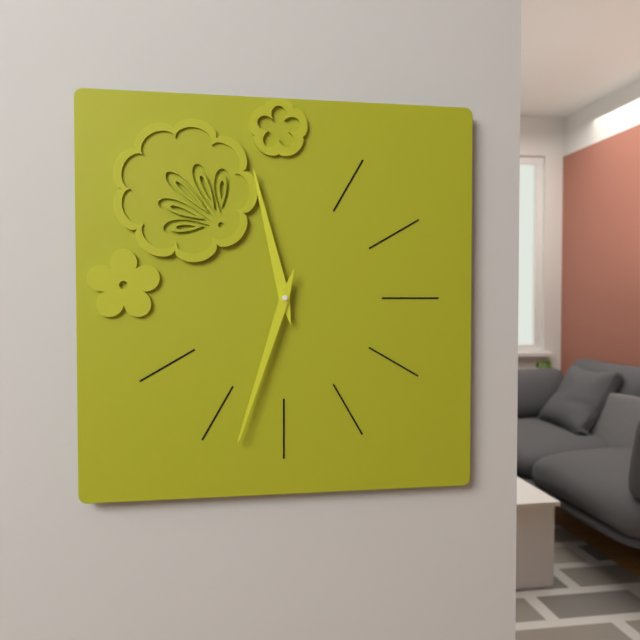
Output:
11 h 33 min
